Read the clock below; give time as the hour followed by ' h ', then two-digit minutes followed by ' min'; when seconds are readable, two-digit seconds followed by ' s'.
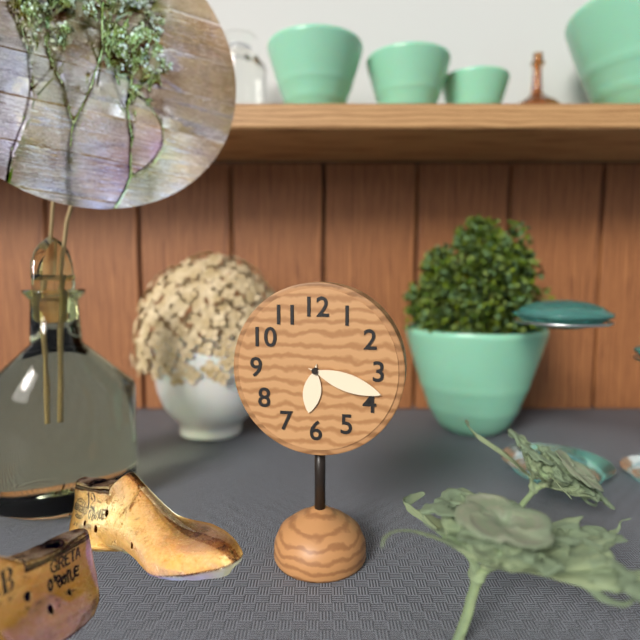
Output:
6 h 18 min
